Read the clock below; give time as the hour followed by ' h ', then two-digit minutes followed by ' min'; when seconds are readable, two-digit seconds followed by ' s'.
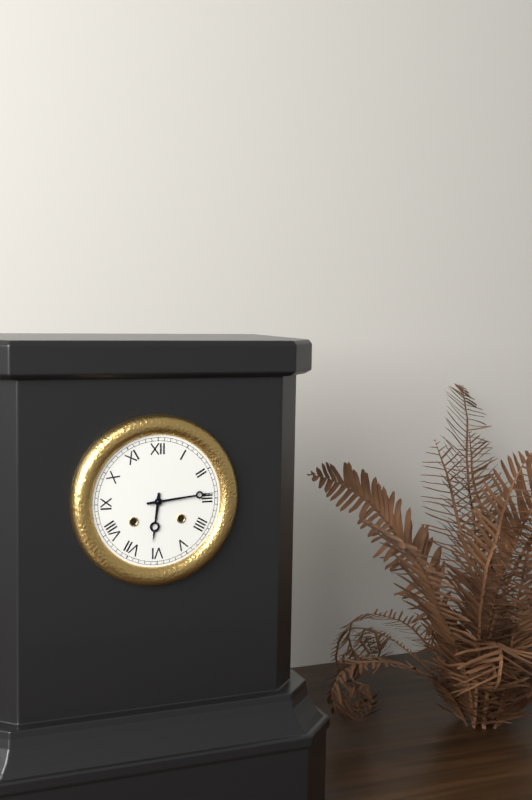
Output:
6 h 14 min
